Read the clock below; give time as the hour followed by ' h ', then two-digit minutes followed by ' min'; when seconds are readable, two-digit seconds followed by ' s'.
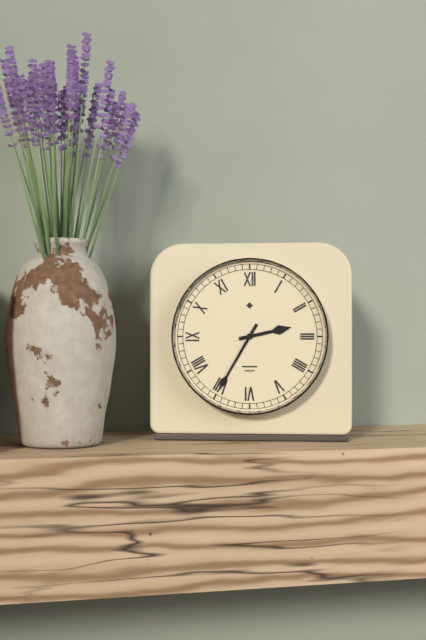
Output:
2 h 35 min
